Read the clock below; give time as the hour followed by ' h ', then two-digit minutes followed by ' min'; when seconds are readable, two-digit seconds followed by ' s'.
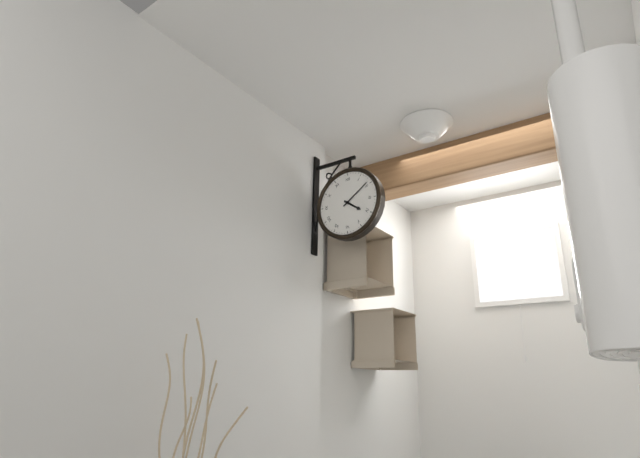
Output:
4 h 09 min
